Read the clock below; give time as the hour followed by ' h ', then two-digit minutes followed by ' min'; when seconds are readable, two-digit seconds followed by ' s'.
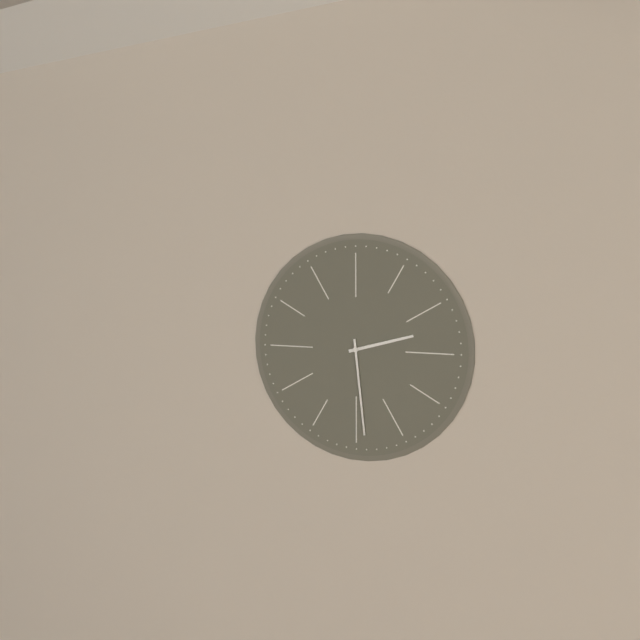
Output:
2 h 29 min
